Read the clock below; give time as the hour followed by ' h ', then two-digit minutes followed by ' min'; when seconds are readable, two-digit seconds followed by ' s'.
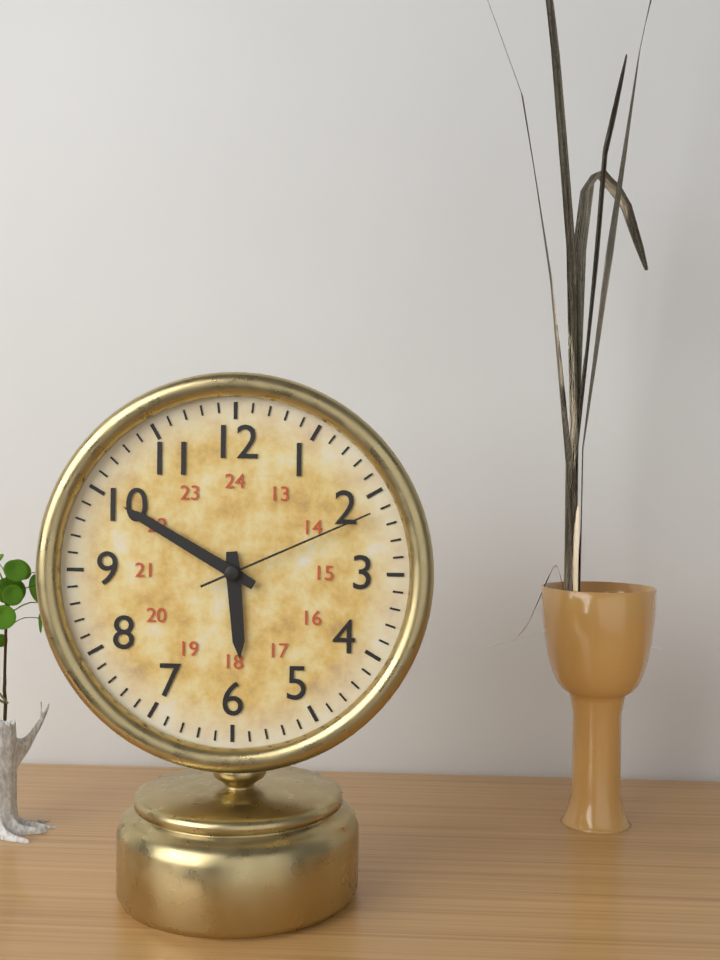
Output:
5 h 50 min 11 s
